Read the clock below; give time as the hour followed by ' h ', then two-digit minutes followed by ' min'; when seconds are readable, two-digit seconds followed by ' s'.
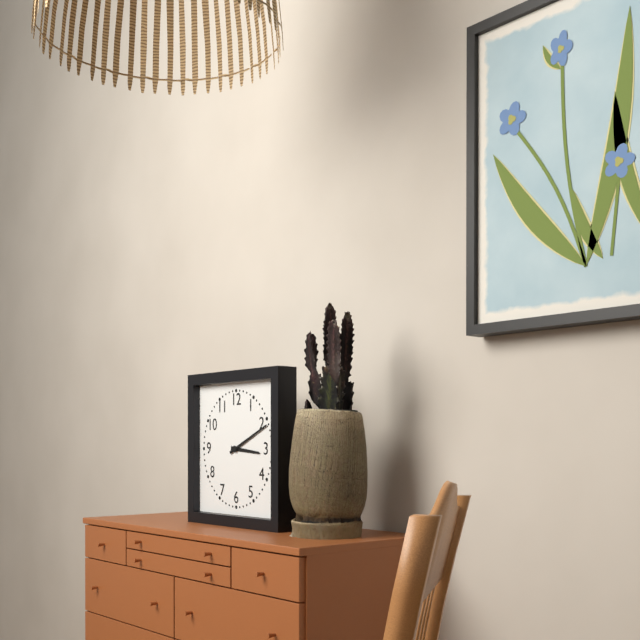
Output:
3 h 11 min
